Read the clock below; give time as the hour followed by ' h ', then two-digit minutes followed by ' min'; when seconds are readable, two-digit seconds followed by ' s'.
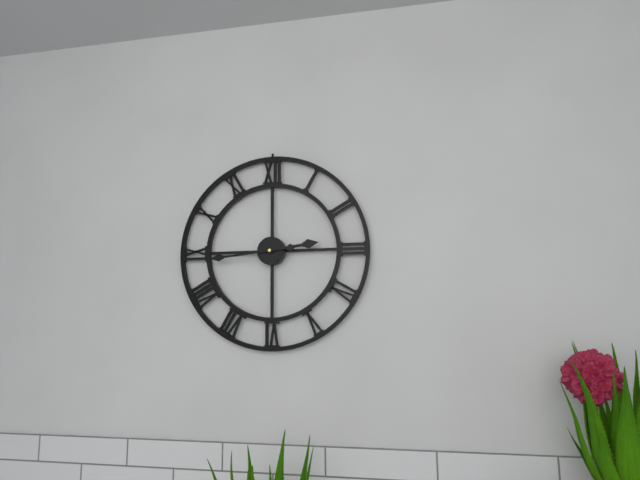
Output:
2 h 44 min
